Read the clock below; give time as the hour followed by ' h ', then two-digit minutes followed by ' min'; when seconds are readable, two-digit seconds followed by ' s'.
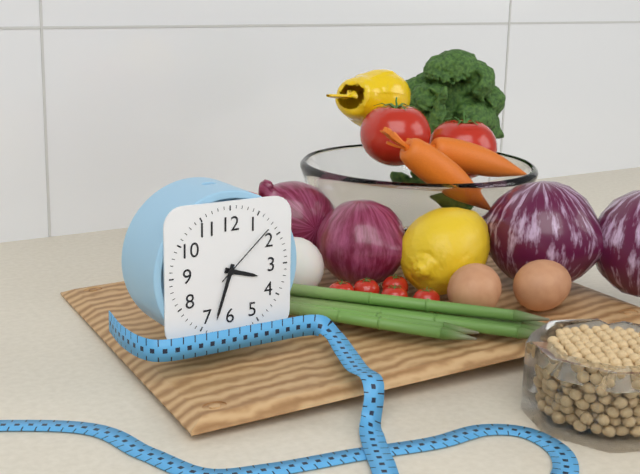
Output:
3 h 33 min 08 s
